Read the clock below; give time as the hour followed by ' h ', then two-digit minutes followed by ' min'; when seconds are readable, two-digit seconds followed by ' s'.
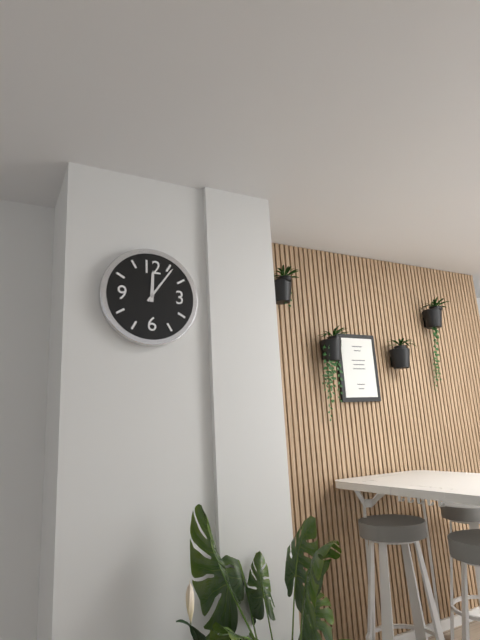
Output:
12 h 06 min
